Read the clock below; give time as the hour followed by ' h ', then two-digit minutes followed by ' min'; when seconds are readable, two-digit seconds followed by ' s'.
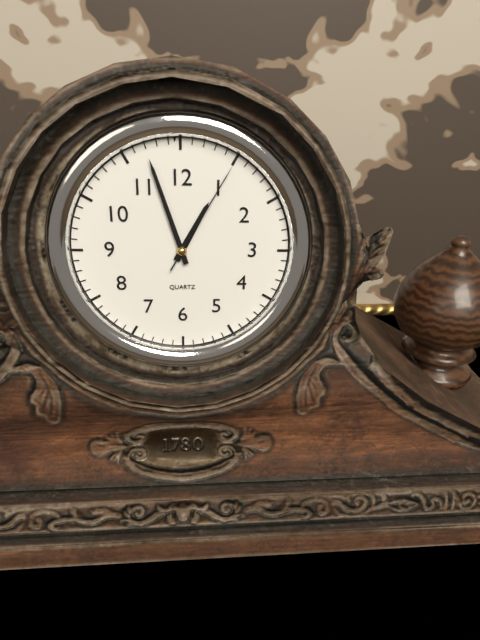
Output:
12 h 57 min 05 s
